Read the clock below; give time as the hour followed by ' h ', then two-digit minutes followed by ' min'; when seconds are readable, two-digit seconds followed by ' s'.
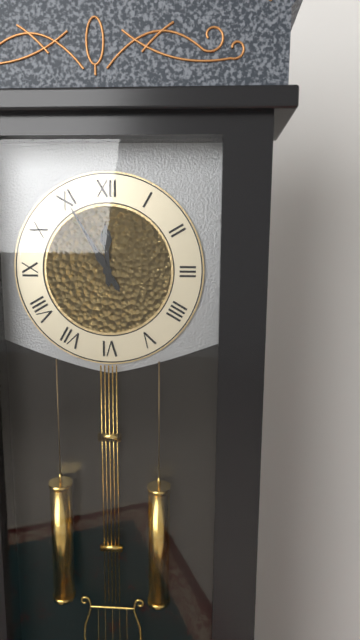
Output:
11 h 55 min
